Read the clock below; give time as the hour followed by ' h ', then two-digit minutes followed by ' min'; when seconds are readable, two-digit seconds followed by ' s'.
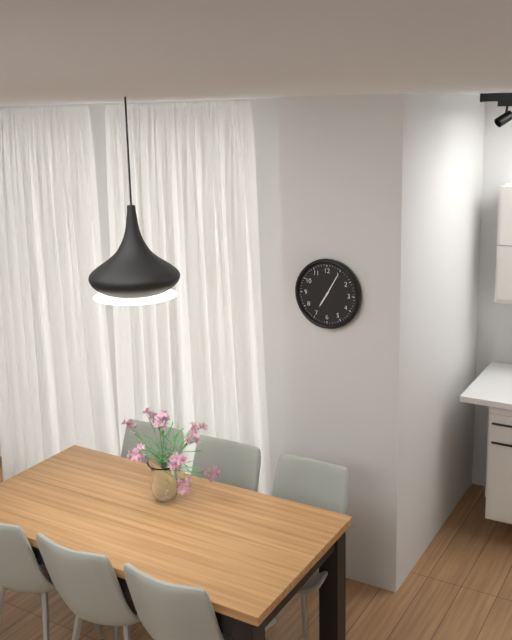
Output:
7 h 05 min
